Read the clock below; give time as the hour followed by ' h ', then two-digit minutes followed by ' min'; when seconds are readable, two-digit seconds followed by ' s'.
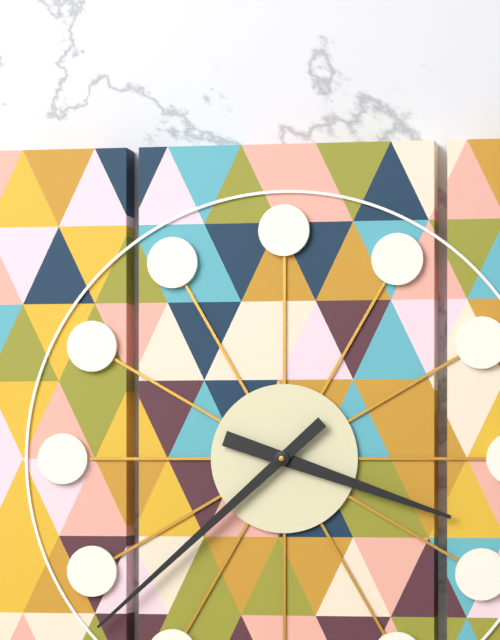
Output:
3 h 38 min
